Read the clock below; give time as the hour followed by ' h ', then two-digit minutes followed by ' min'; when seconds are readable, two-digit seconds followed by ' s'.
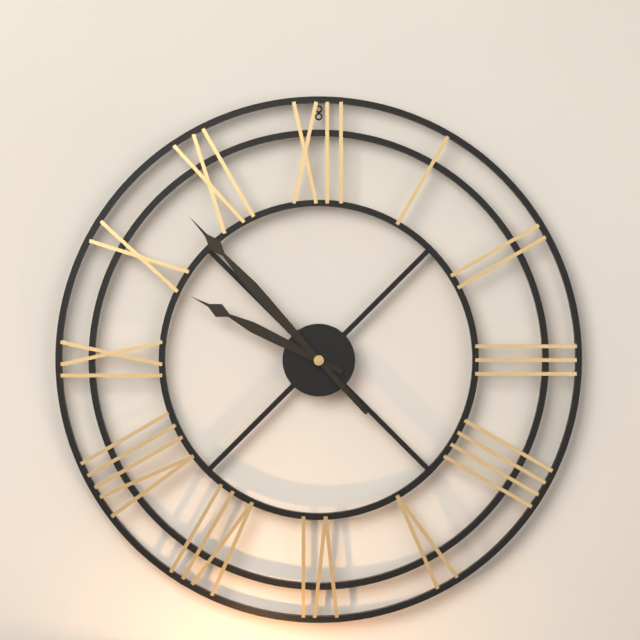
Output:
9 h 53 min
